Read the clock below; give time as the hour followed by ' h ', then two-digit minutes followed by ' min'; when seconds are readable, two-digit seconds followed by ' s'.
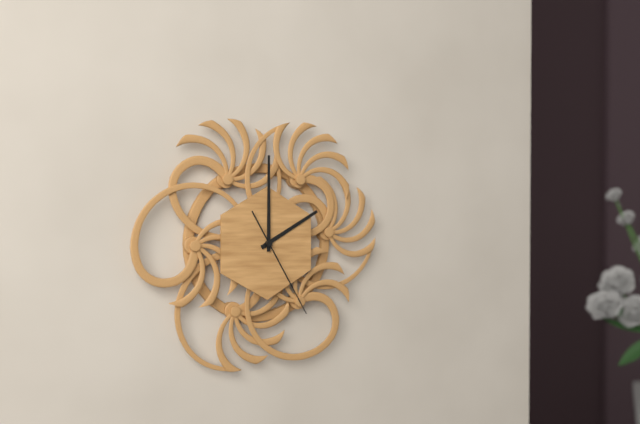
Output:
2 h 00 min 25 s
